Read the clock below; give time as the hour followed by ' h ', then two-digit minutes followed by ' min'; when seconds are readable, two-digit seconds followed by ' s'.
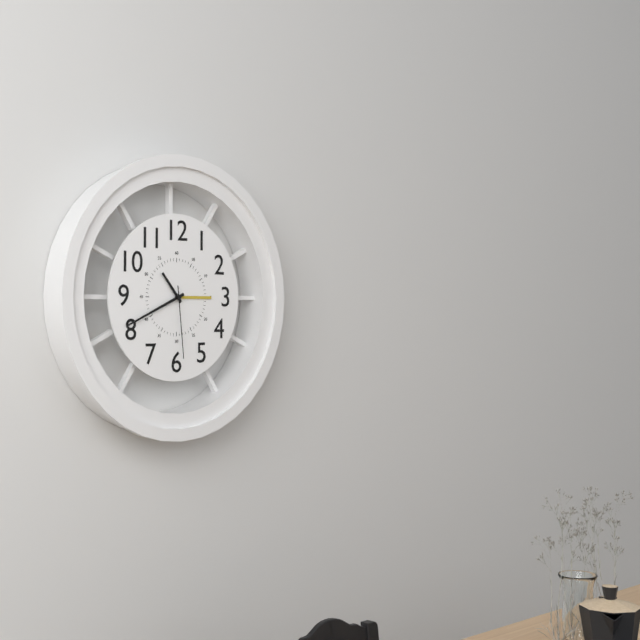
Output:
10 h 41 min 29 s
